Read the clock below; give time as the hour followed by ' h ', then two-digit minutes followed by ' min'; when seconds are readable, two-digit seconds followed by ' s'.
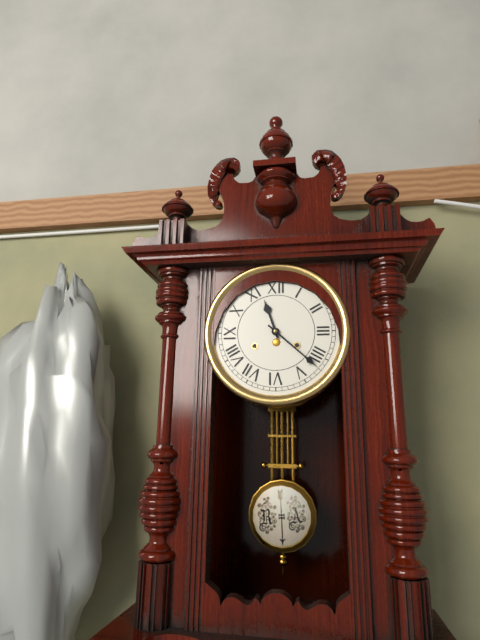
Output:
11 h 22 min
